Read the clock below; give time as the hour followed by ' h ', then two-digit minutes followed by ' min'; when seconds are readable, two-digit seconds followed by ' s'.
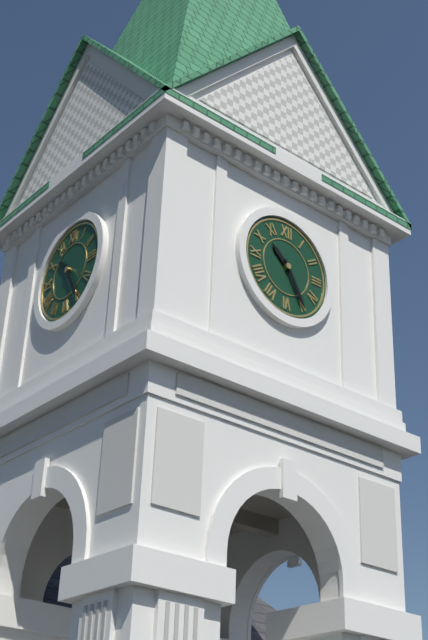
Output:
10 h 25 min
